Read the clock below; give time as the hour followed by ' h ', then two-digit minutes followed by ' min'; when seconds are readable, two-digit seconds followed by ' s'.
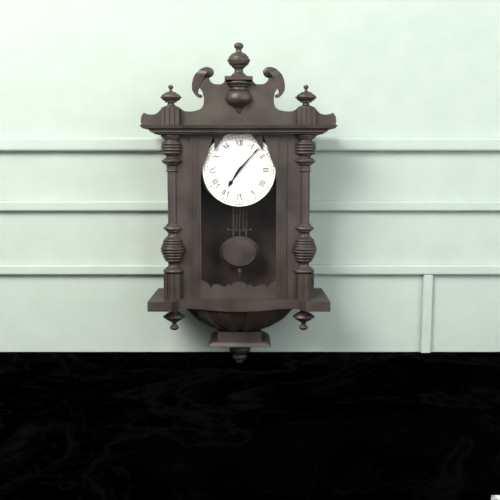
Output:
7 h 07 min
